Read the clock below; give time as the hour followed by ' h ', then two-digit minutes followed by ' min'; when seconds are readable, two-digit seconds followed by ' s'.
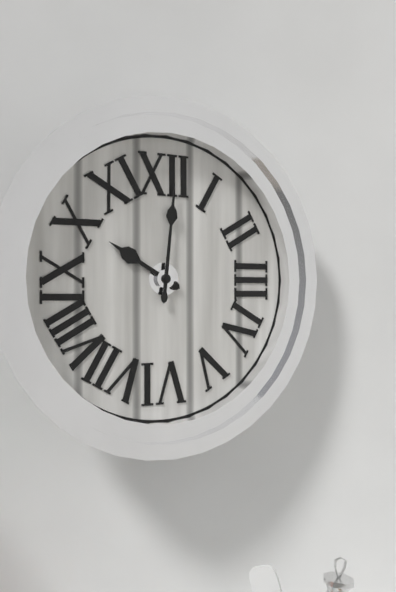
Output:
10 h 01 min
